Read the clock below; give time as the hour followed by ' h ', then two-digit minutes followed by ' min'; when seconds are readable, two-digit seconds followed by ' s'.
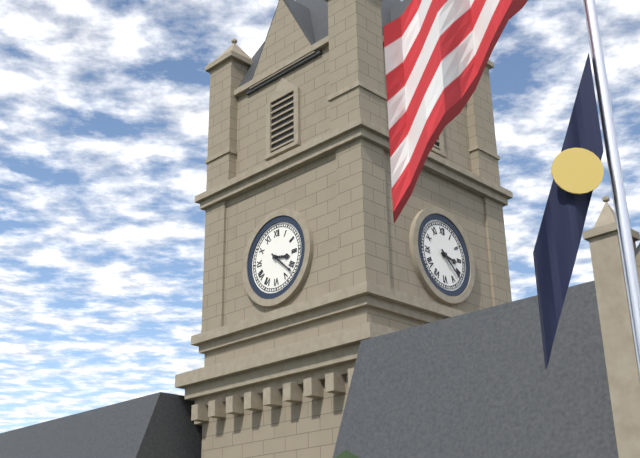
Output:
3 h 22 min
